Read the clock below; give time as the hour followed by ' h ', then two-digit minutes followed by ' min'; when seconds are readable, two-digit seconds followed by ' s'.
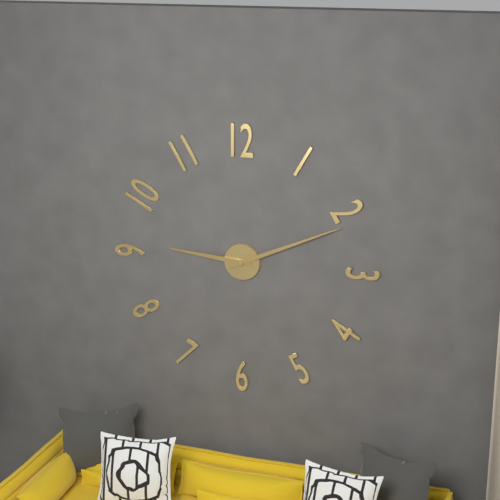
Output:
9 h 11 min
